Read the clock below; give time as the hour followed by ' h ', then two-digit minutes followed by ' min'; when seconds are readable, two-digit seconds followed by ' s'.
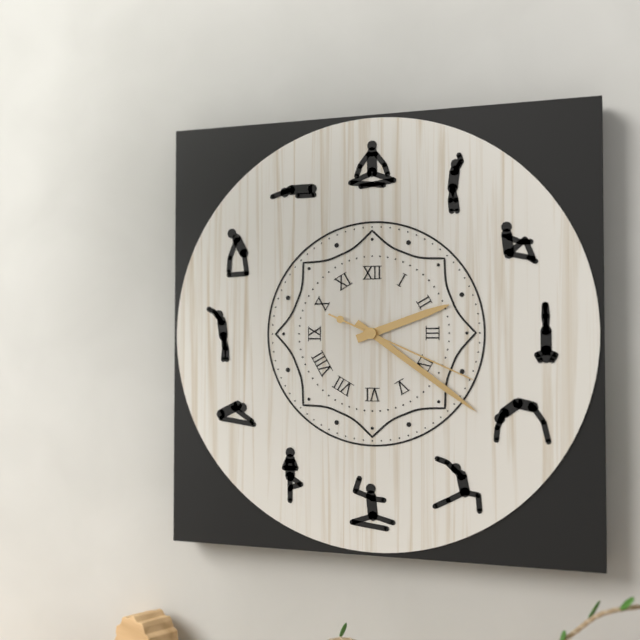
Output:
2 h 21 min 19 s
